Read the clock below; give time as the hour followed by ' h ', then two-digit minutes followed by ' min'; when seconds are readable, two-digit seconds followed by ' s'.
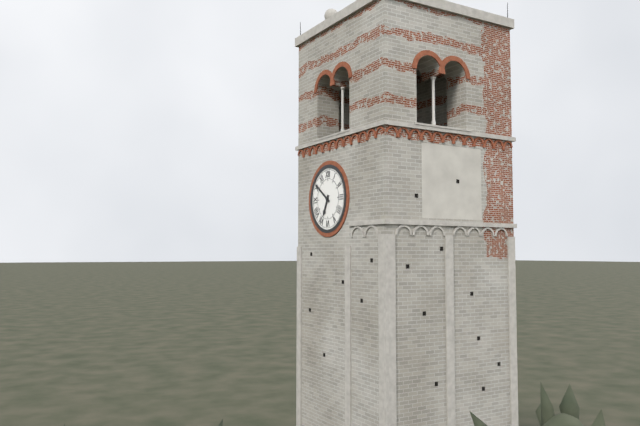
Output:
6 h 51 min
